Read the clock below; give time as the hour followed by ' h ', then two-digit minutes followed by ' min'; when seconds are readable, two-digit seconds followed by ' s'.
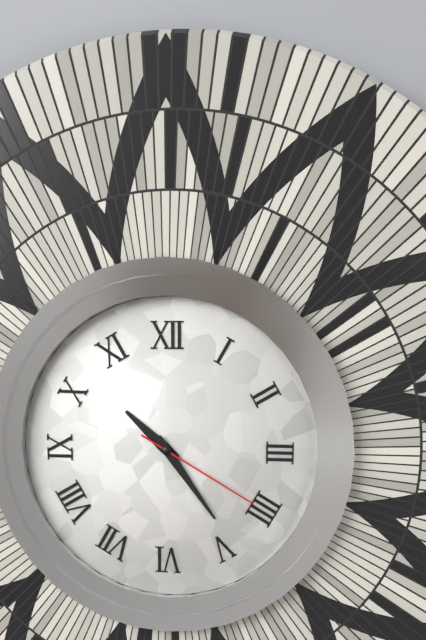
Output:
10 h 24 min 20 s
